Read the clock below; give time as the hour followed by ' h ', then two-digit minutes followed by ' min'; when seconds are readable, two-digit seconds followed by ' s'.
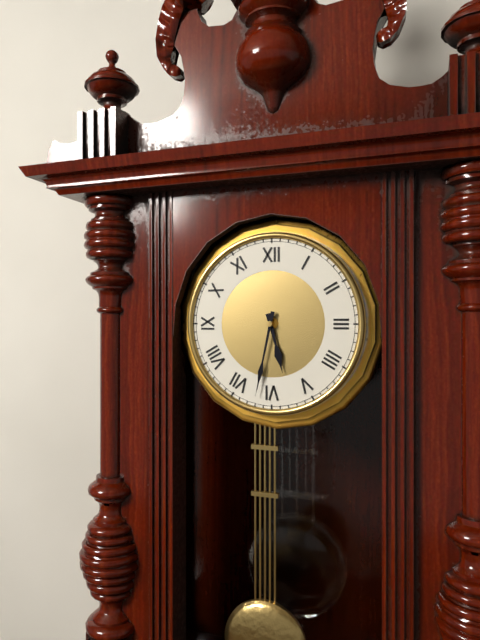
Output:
5 h 32 min
